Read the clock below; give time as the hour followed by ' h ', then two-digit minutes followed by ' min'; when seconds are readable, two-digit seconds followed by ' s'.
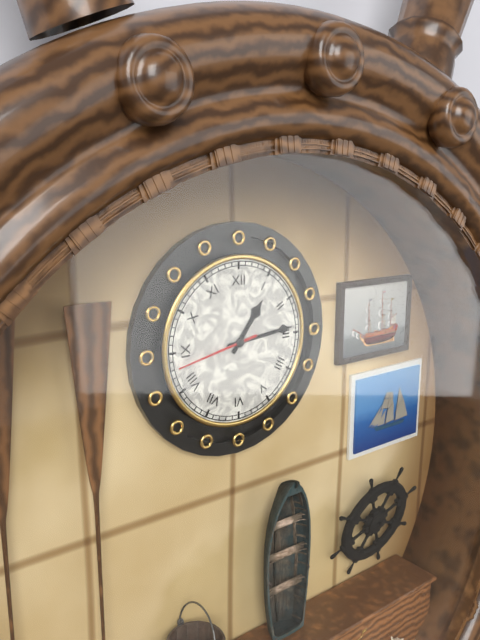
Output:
1 h 14 min 43 s
